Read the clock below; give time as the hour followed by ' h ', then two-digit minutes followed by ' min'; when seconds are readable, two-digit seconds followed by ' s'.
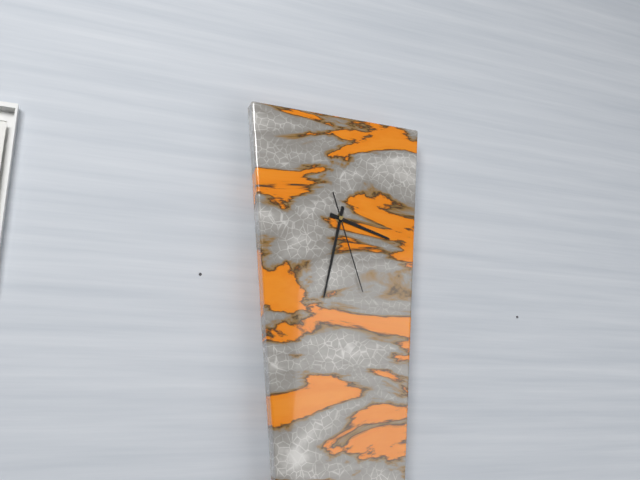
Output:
3 h 32 min 27 s
